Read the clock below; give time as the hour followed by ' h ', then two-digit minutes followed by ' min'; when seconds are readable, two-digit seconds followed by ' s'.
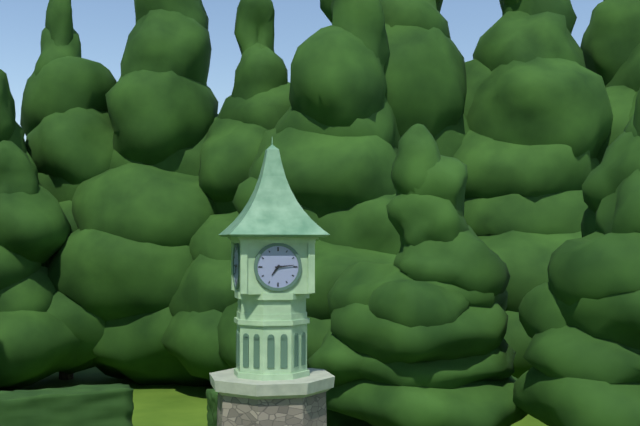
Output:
7 h 14 min
